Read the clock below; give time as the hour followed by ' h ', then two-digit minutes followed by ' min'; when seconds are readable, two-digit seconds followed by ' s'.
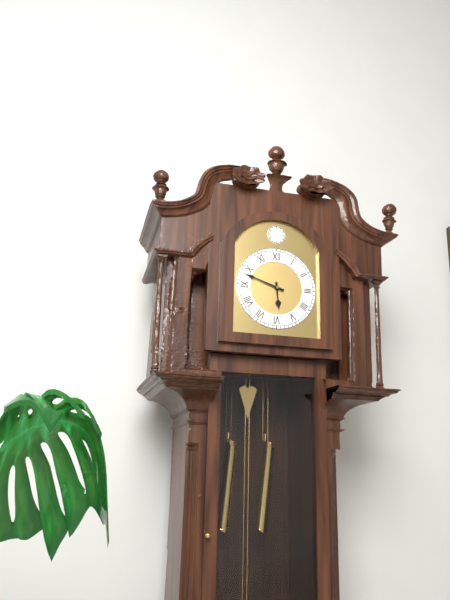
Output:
5 h 48 min
